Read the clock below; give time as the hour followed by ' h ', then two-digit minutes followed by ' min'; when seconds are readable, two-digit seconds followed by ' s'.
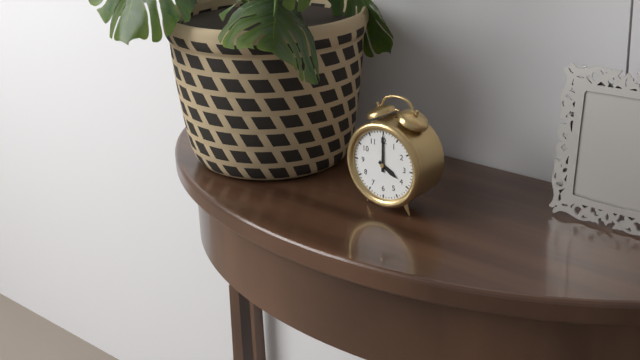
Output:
4 h 00 min
